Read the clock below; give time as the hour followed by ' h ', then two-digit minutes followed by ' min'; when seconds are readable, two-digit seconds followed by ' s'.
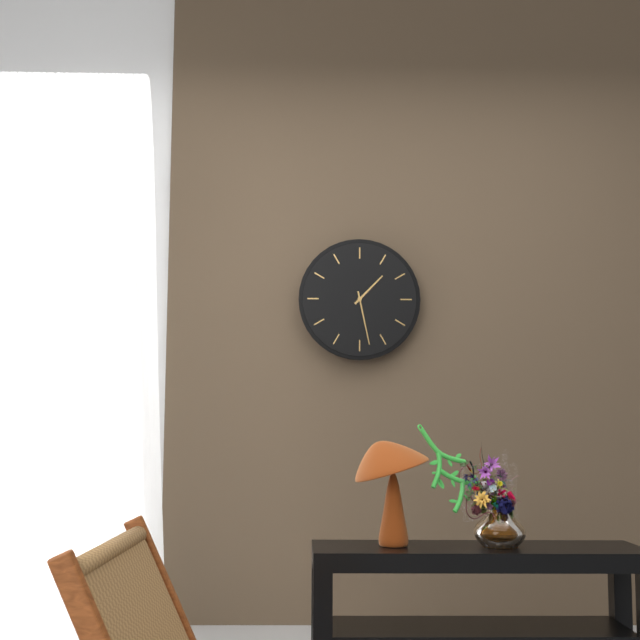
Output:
1 h 28 min
